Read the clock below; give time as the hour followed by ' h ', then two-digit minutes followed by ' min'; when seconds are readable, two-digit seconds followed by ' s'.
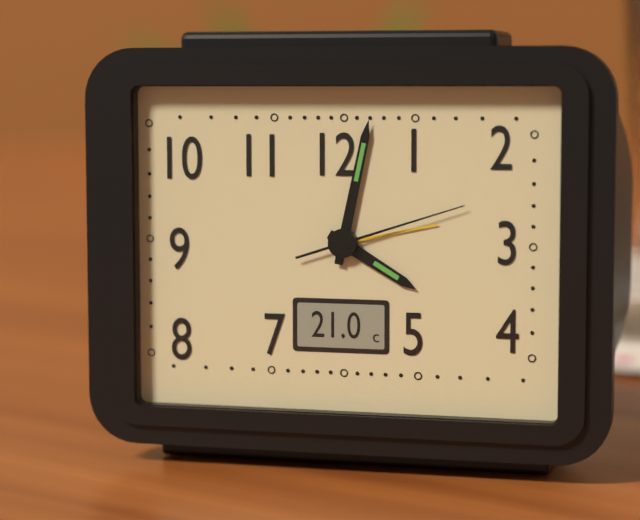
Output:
4 h 02 min 12 s
